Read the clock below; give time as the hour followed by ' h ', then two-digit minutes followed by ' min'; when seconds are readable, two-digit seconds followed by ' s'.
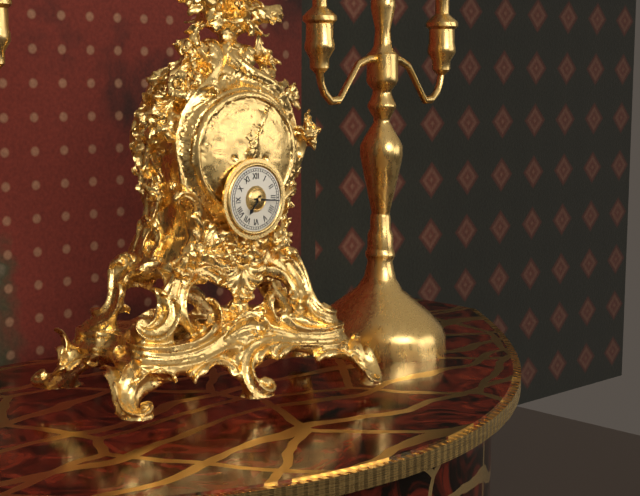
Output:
7 h 16 min
